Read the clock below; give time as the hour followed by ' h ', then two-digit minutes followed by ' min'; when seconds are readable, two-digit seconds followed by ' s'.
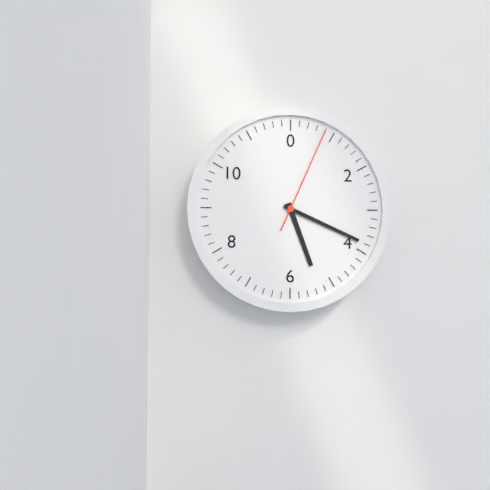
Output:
5 h 19 min 04 s
